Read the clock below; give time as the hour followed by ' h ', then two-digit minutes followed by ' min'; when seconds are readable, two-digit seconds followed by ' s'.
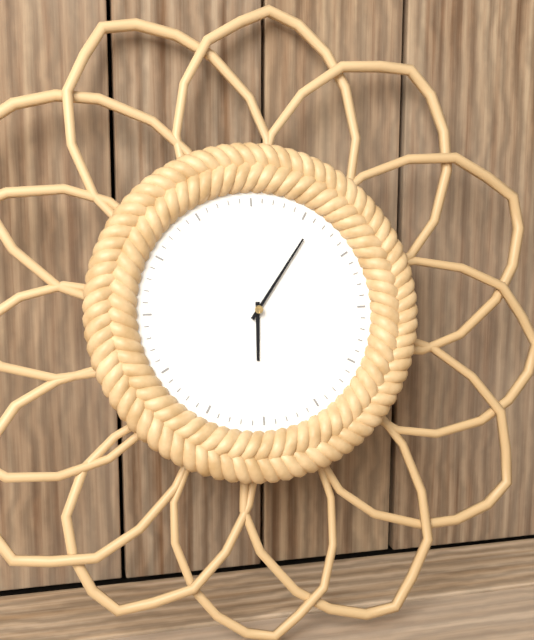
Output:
6 h 06 min
